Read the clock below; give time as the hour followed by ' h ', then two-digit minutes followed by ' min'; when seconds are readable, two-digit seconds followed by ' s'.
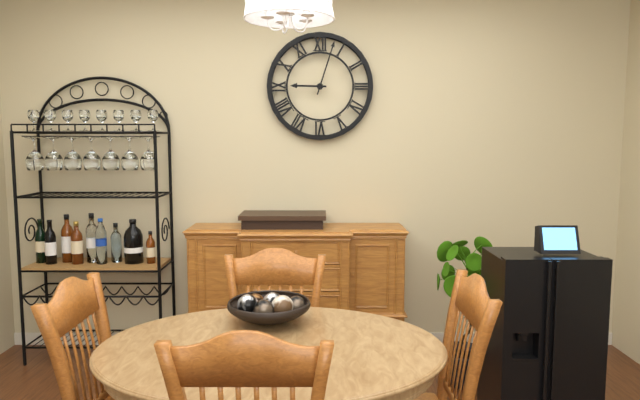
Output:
9 h 03 min
